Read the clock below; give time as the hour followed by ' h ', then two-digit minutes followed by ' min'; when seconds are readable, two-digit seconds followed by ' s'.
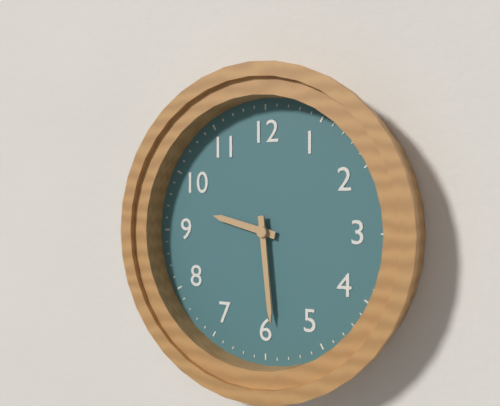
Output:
9 h 29 min
